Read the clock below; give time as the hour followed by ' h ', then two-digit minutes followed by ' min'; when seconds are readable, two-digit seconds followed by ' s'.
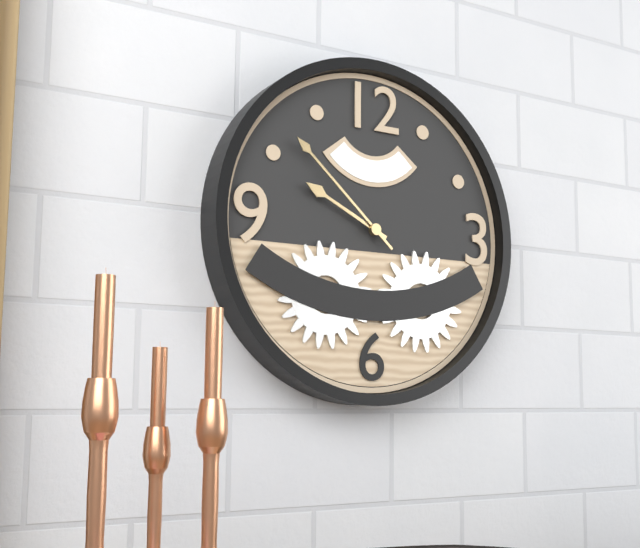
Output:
9 h 52 min
